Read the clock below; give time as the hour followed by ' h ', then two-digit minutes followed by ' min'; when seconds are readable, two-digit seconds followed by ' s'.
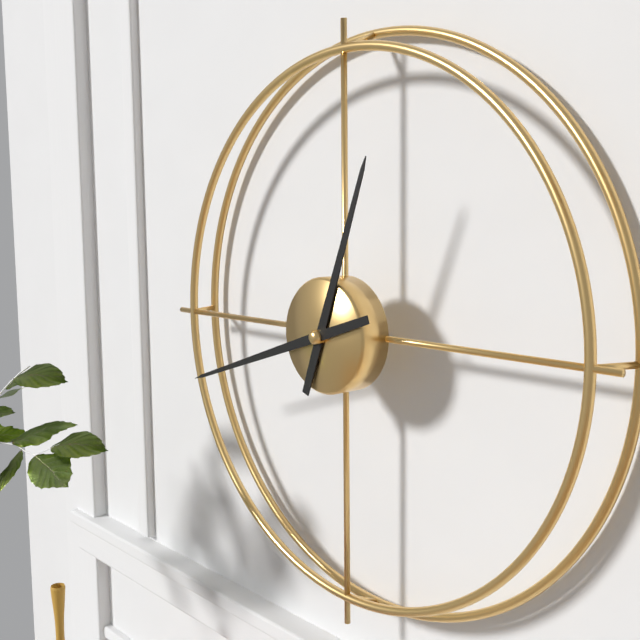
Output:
12 h 42 min
